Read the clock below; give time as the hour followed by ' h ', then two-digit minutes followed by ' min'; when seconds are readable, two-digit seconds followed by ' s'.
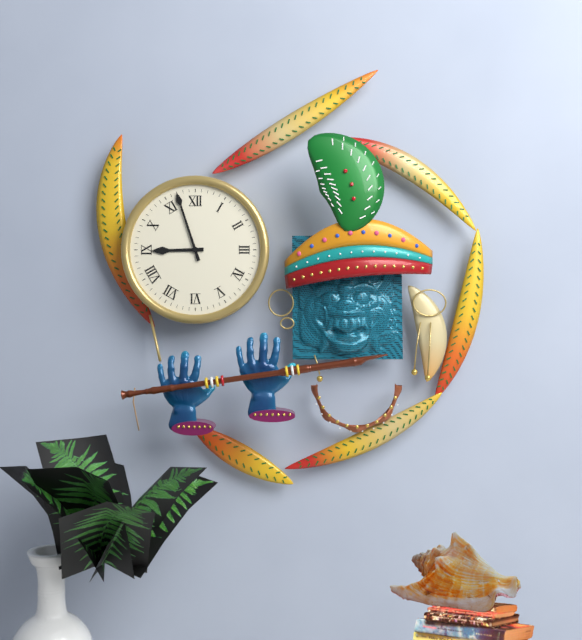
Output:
8 h 57 min
